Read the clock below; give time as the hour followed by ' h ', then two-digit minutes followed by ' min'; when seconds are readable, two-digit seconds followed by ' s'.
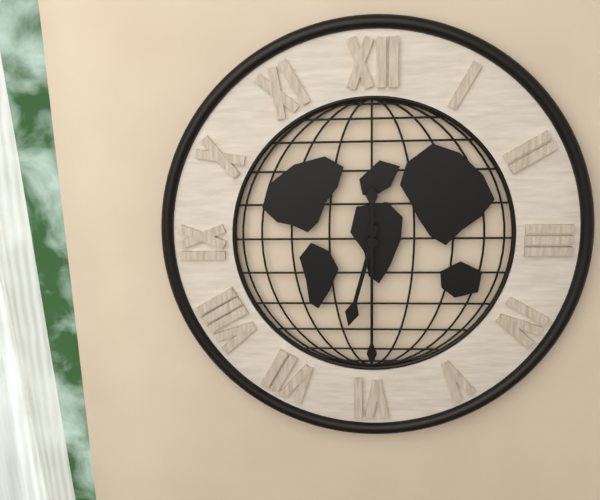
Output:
6 h 30 min
